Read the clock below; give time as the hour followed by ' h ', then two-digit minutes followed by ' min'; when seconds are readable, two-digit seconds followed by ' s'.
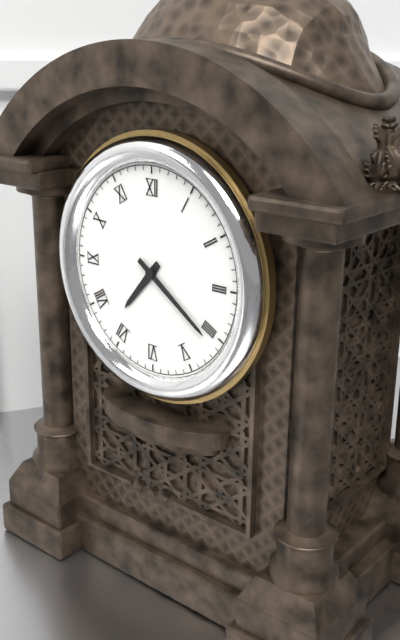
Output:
7 h 21 min
